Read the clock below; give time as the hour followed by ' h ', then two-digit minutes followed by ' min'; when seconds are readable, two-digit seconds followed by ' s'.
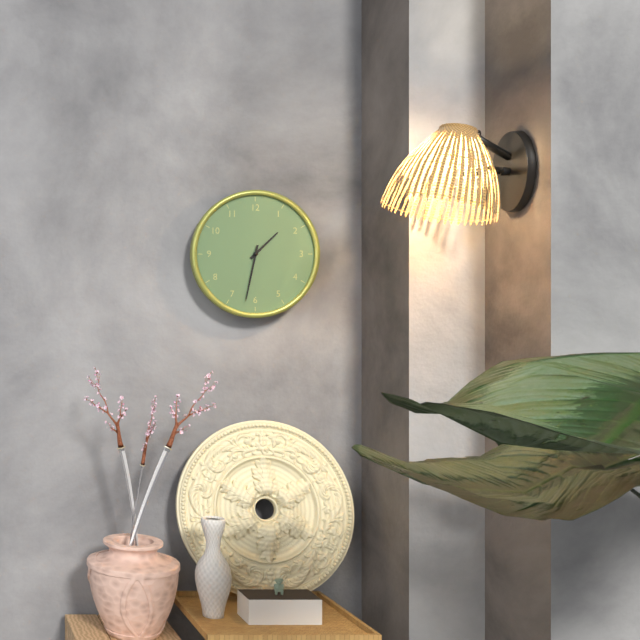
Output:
1 h 32 min
